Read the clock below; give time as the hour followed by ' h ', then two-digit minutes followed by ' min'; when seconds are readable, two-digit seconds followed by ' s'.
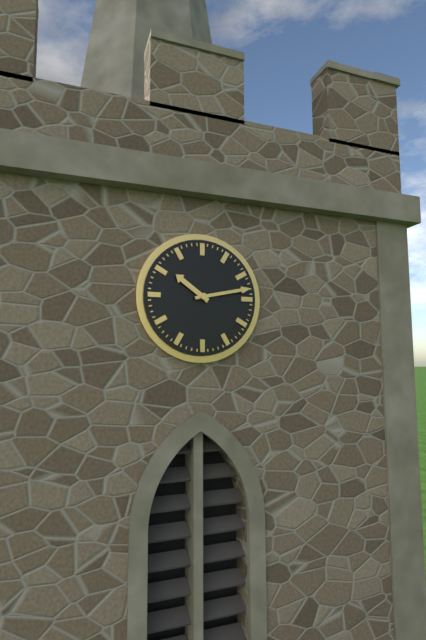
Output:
10 h 13 min
